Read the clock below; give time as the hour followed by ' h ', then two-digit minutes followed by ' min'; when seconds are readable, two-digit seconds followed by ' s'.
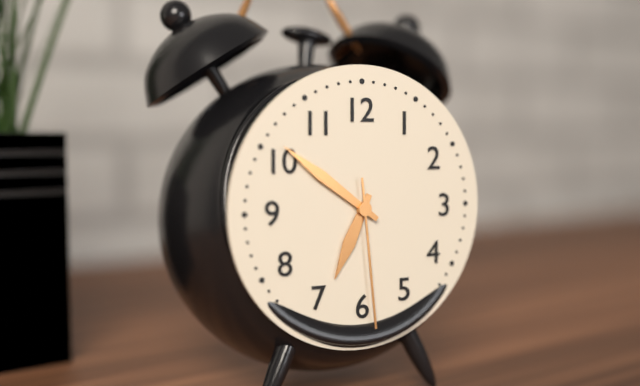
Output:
6 h 51 min 29 s
